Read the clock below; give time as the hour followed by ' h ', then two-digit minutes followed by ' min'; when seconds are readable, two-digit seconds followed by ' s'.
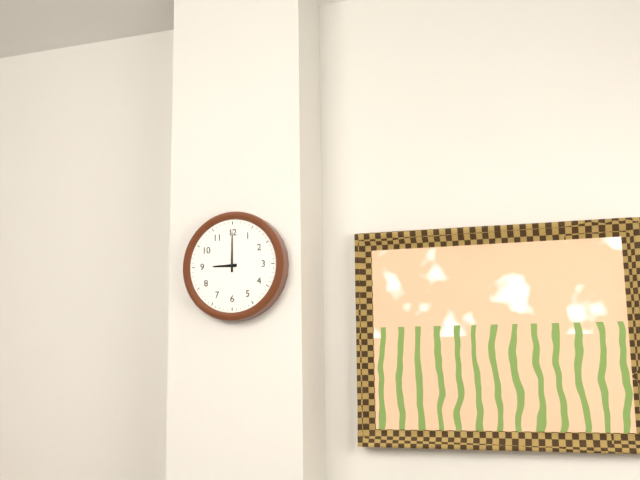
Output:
9 h 00 min
